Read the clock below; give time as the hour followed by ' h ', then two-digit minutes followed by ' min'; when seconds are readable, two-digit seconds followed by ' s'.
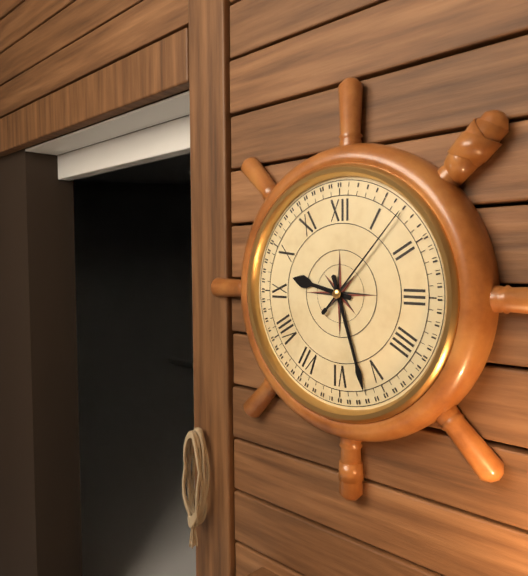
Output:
9 h 27 min 07 s
